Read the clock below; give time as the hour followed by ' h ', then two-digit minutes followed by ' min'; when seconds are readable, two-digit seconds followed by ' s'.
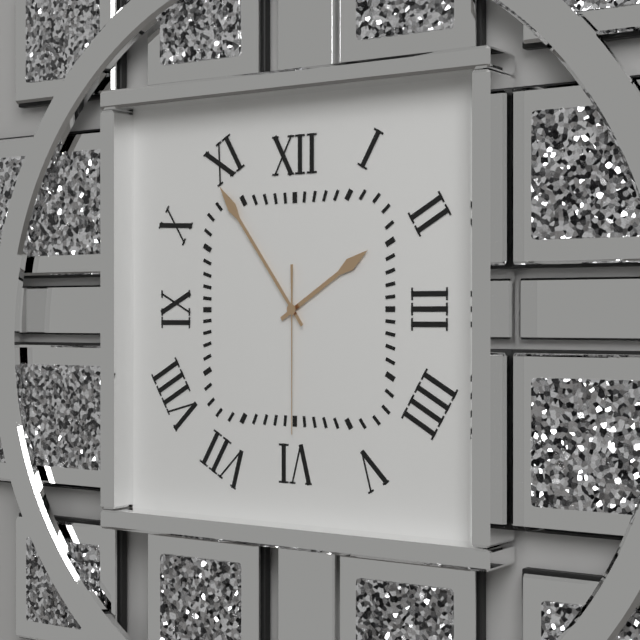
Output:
1 h 54 min 30 s
